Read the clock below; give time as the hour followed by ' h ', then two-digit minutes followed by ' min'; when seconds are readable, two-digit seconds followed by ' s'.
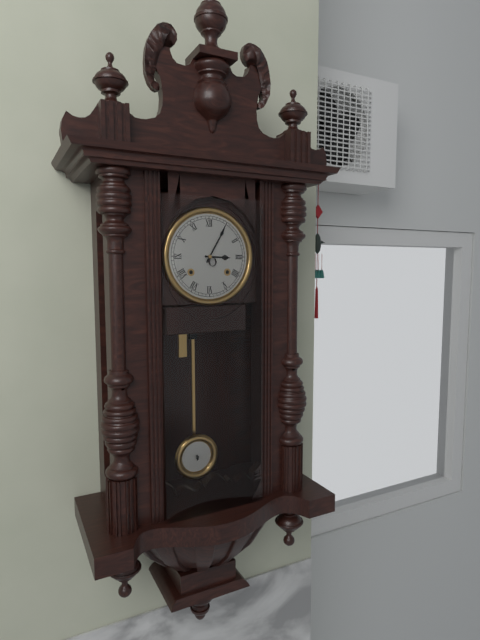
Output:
3 h 05 min
